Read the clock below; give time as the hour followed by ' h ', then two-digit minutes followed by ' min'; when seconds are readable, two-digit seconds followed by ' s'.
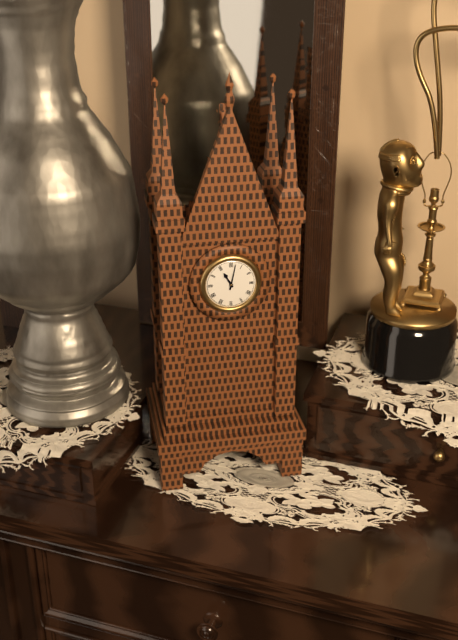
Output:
11 h 02 min
